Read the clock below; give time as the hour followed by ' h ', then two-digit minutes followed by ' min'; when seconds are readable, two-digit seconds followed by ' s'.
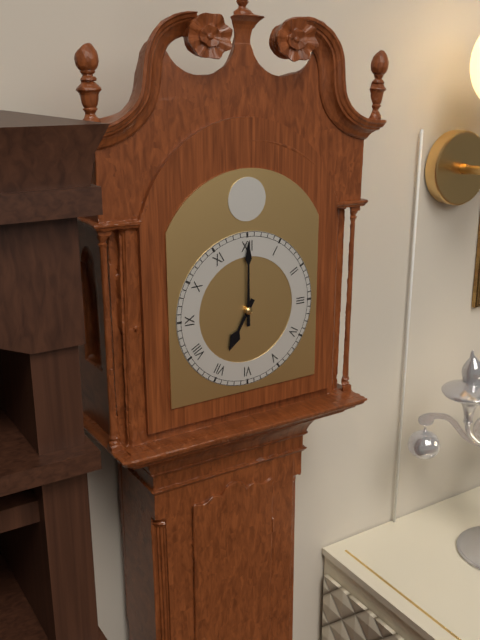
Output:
7 h 00 min
